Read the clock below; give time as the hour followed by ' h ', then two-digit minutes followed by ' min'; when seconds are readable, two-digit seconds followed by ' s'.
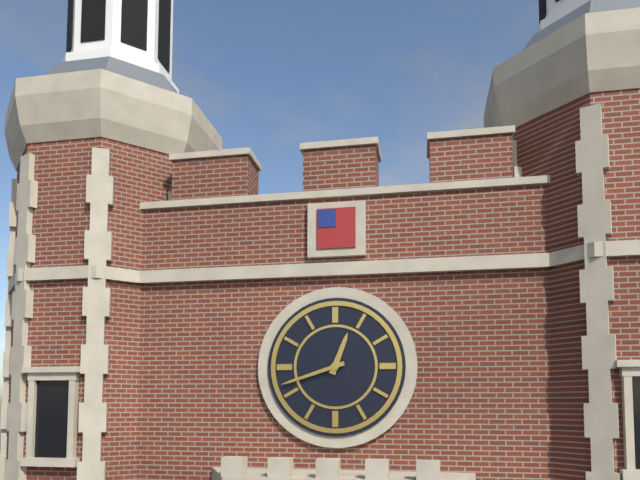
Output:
12 h 42 min
